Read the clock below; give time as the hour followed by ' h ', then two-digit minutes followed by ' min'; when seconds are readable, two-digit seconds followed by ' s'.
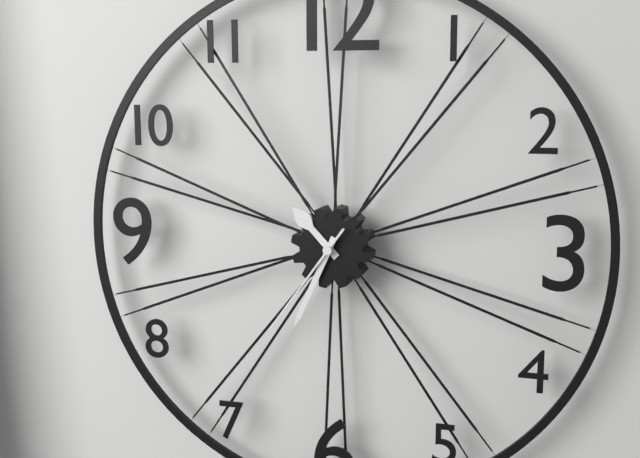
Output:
10 h 34 min 36 s
